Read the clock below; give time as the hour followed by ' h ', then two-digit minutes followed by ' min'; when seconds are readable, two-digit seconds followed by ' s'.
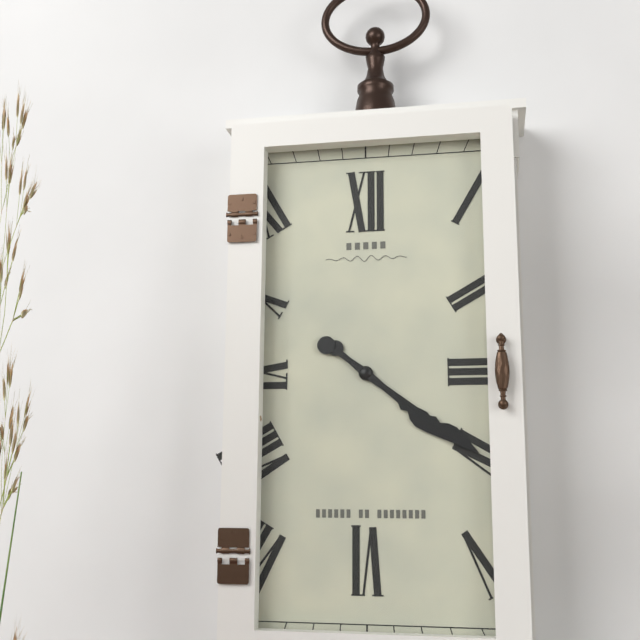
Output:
4 h 21 min
